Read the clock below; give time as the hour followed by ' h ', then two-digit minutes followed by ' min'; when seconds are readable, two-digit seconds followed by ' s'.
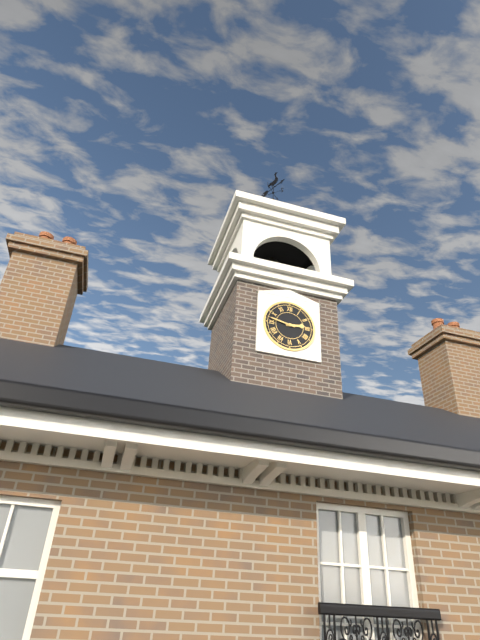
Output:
2 h 47 min
